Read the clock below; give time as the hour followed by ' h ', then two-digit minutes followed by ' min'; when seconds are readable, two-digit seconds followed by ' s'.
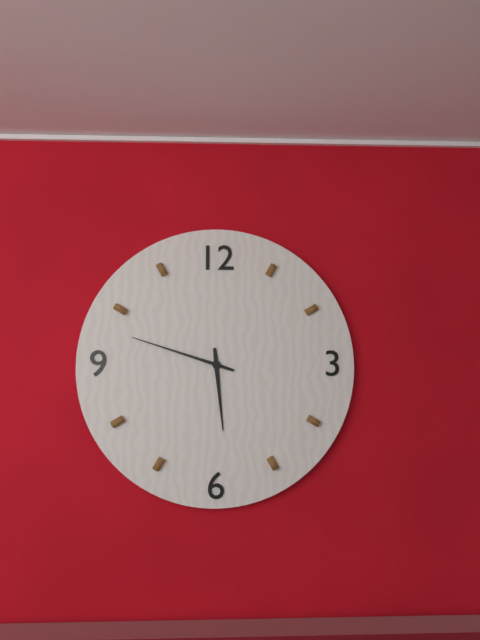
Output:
5 h 48 min
